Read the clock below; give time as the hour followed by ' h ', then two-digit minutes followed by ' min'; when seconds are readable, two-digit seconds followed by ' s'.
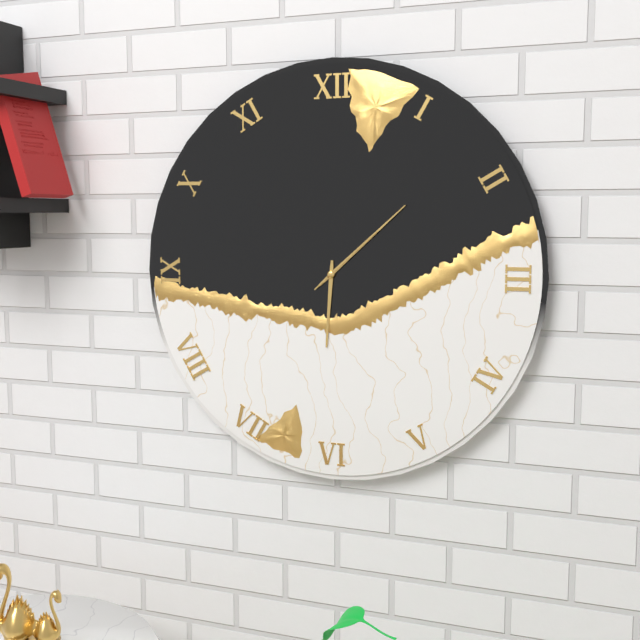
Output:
6 h 08 min 08 s
